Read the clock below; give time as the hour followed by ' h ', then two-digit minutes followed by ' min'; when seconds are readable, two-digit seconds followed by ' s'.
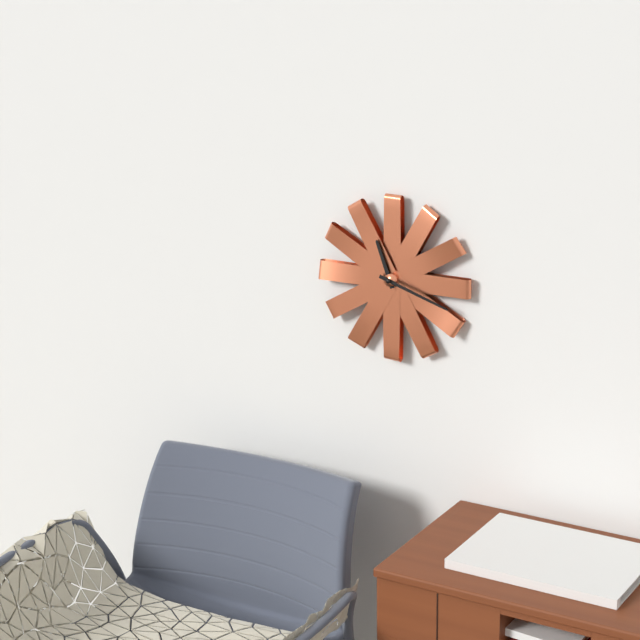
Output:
11 h 18 min
